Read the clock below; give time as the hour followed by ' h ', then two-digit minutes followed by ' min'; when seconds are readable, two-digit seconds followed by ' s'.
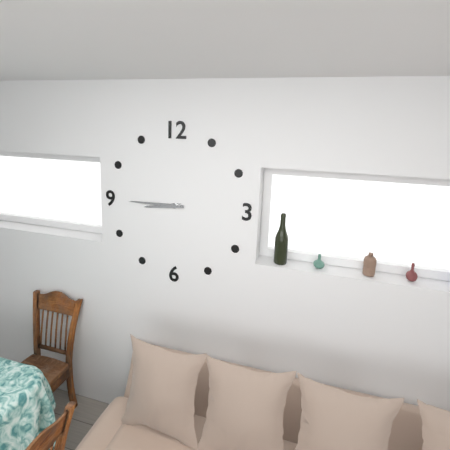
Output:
8 h 45 min
